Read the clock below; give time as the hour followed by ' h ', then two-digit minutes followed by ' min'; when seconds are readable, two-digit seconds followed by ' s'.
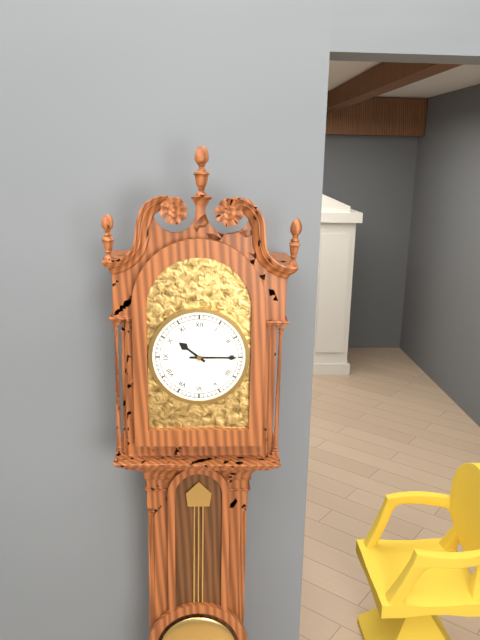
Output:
10 h 15 min
